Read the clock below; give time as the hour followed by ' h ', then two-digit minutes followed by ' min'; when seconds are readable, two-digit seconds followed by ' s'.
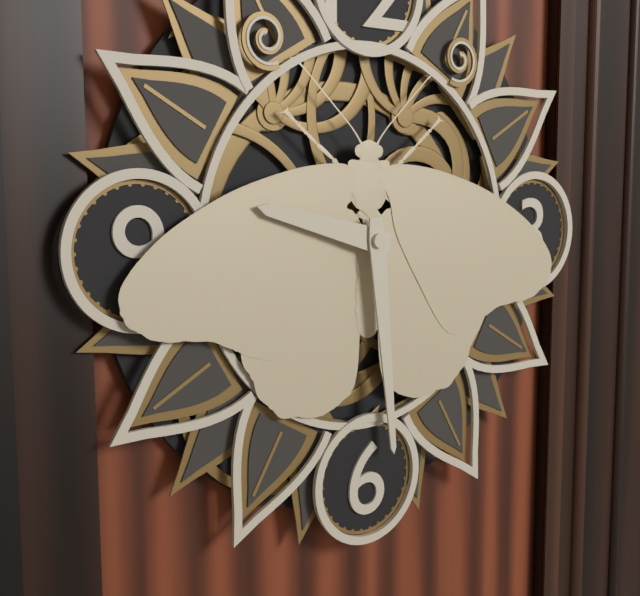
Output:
9 h 29 min
